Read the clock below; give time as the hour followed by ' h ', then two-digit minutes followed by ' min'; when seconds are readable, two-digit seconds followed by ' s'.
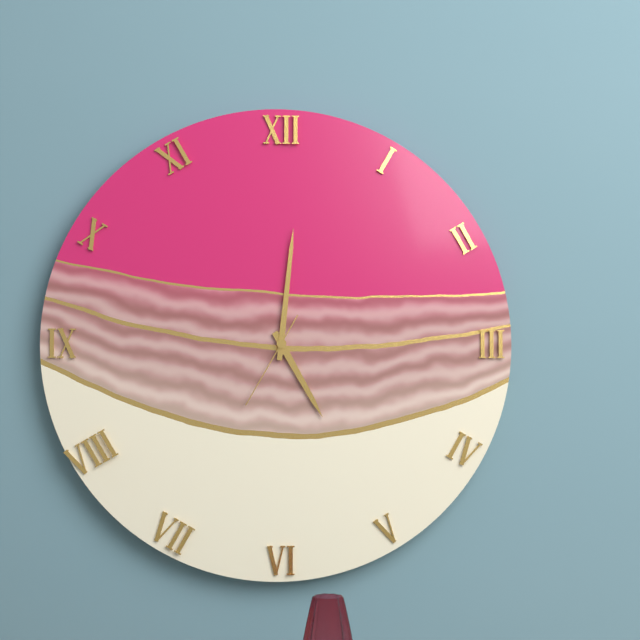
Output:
5 h 01 min 35 s
